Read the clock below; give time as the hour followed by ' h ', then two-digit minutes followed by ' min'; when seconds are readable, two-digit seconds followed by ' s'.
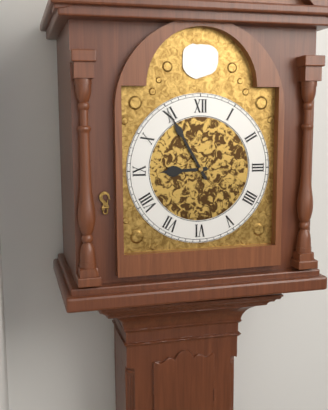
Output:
8 h 55 min
